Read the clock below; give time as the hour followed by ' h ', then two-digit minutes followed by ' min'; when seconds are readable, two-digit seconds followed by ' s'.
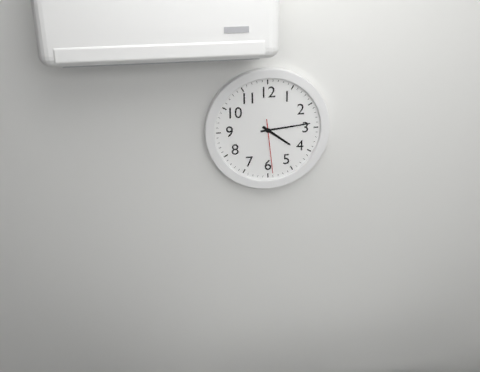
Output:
4 h 14 min 29 s
